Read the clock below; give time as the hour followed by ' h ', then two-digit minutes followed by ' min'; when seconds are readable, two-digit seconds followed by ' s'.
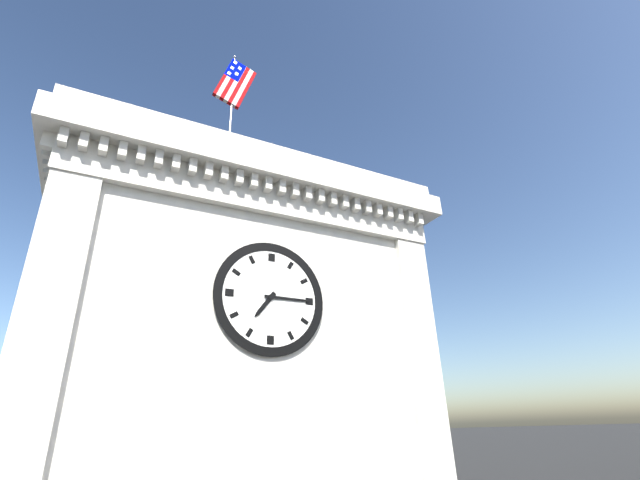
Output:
7 h 15 min
